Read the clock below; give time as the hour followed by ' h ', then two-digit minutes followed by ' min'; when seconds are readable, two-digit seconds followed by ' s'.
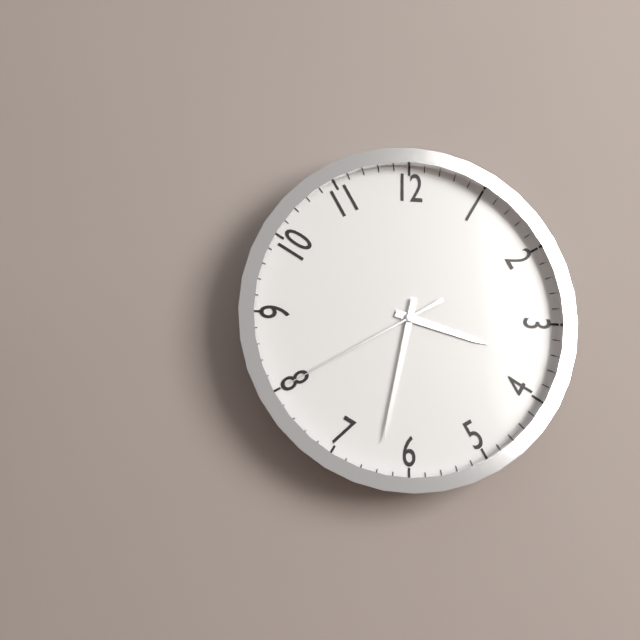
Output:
3 h 32 min 40 s
